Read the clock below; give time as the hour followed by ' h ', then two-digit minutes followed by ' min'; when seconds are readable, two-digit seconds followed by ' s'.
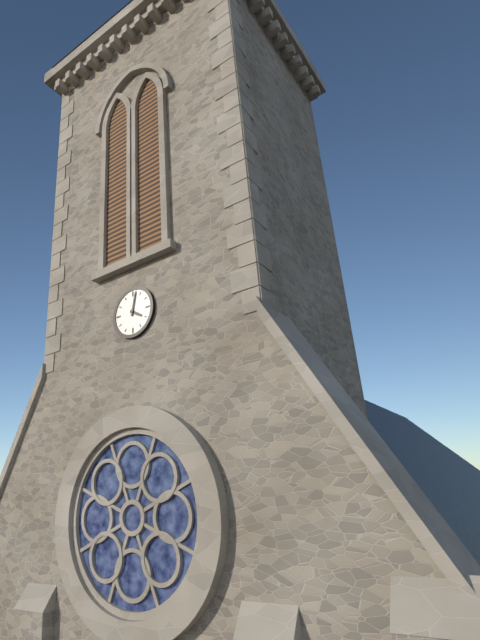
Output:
4 h 02 min
